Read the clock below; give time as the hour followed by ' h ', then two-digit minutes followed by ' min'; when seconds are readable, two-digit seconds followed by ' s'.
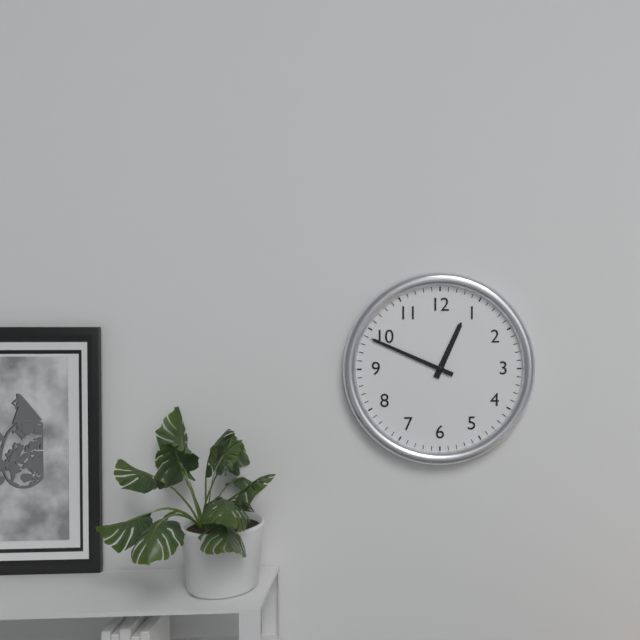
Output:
12 h 49 min
